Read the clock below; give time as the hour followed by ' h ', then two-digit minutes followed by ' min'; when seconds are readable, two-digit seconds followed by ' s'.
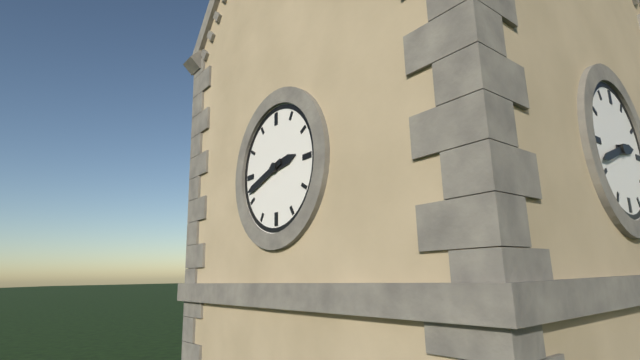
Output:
2 h 42 min
